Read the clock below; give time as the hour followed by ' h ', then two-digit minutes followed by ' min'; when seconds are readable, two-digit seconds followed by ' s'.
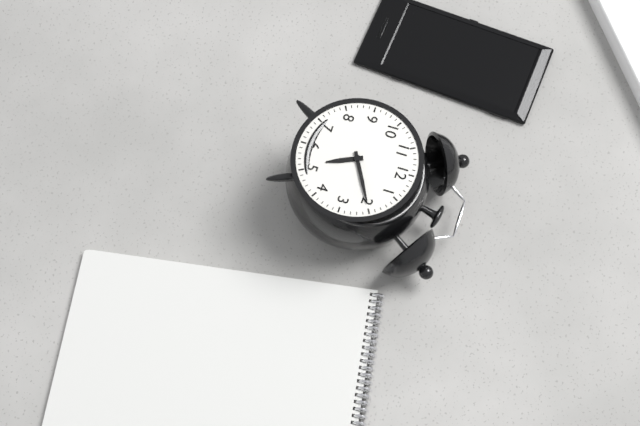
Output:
5 h 10 min
